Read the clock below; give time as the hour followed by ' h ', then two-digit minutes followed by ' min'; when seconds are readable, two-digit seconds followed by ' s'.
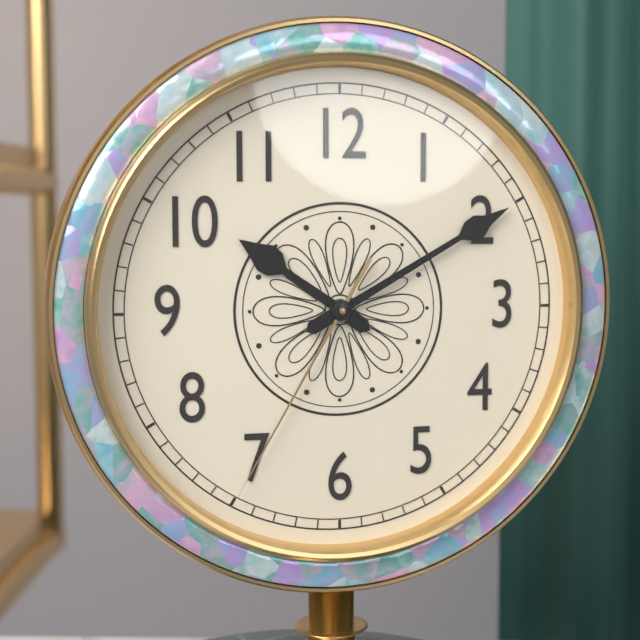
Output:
10 h 10 min 35 s
